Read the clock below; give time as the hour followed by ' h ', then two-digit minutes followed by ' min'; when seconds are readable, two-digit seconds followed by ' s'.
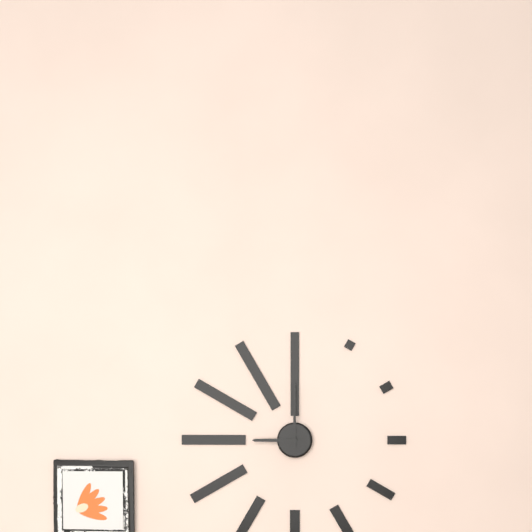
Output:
9 h 00 min
